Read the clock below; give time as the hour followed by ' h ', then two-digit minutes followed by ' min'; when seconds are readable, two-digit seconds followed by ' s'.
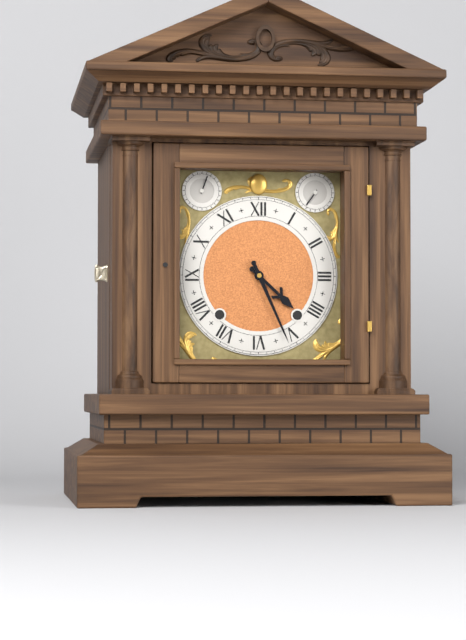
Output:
4 h 26 min
